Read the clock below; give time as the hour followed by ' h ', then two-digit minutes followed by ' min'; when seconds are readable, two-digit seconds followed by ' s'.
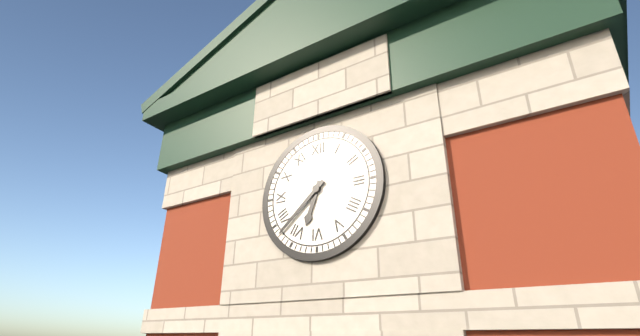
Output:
6 h 38 min
